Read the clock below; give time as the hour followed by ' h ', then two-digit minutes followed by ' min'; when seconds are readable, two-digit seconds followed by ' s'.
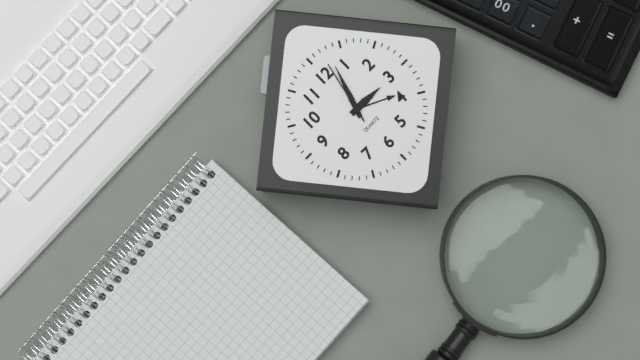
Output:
3 h 03 min 02 s
